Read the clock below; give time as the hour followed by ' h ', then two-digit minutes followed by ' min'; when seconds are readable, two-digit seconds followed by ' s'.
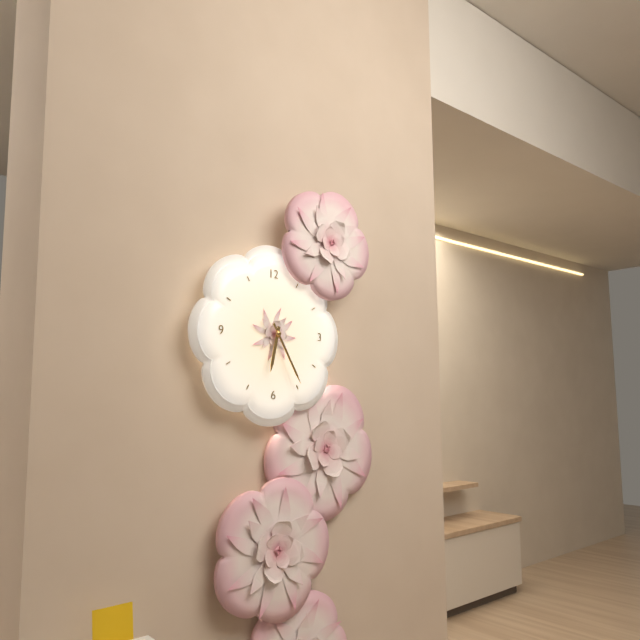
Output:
6 h 25 min
